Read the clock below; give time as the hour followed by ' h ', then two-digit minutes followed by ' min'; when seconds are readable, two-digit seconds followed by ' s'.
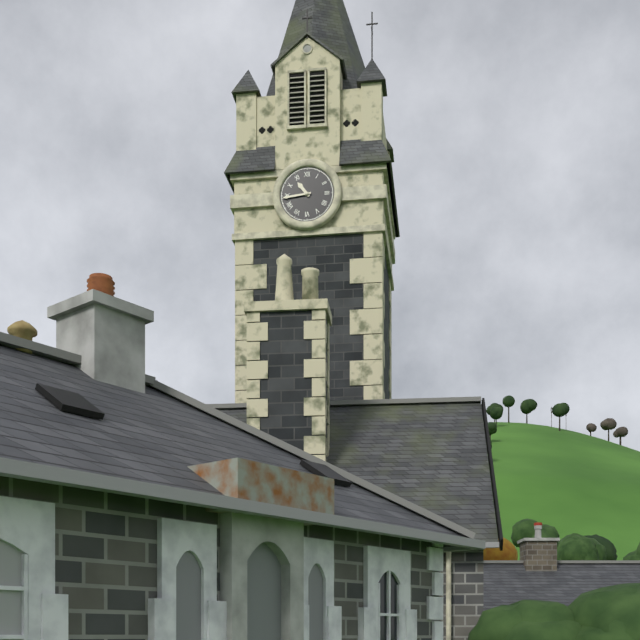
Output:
10 h 44 min
